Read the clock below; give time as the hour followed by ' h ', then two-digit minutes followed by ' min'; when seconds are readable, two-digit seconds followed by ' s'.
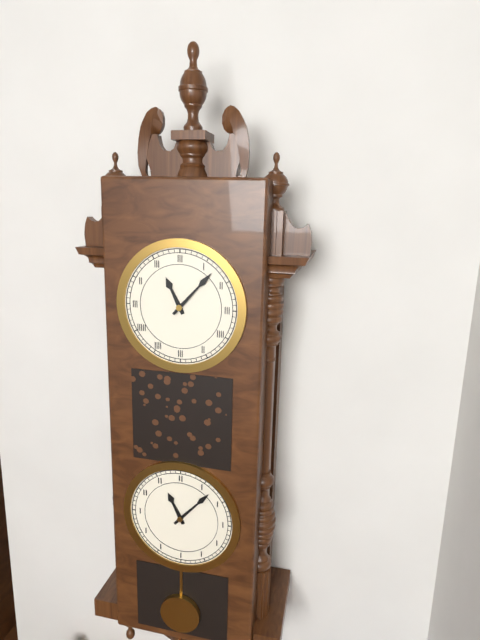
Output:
11 h 07 min
